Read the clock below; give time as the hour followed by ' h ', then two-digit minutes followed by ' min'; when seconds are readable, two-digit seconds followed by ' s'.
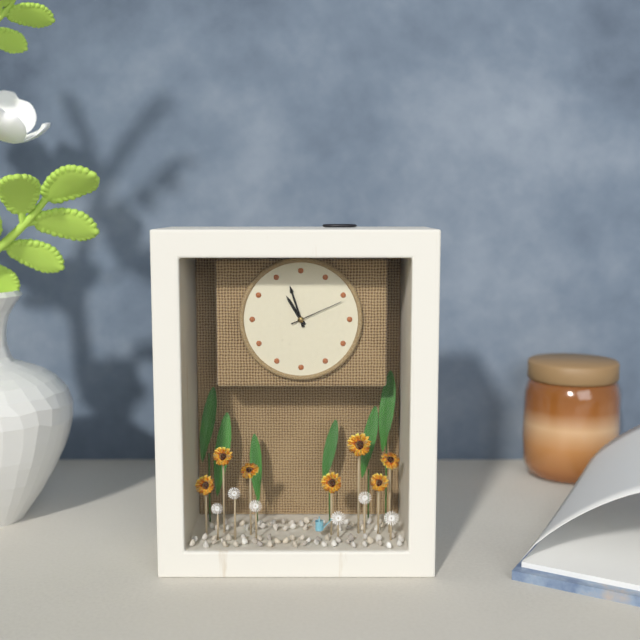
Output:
10 h 57 min 11 s
